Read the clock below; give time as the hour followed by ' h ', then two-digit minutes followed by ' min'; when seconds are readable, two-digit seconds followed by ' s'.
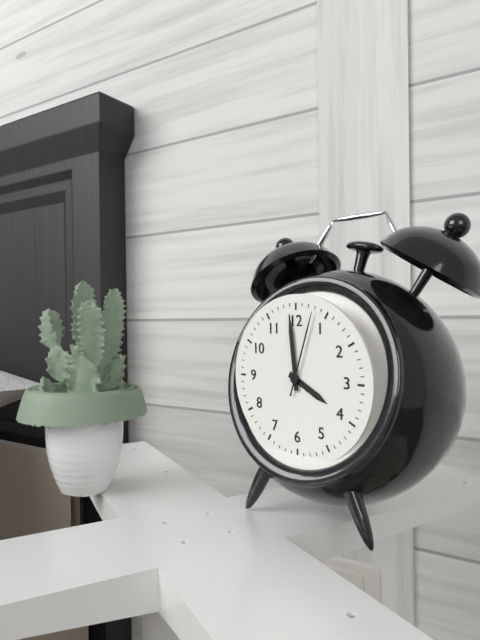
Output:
3 h 59 min 03 s
